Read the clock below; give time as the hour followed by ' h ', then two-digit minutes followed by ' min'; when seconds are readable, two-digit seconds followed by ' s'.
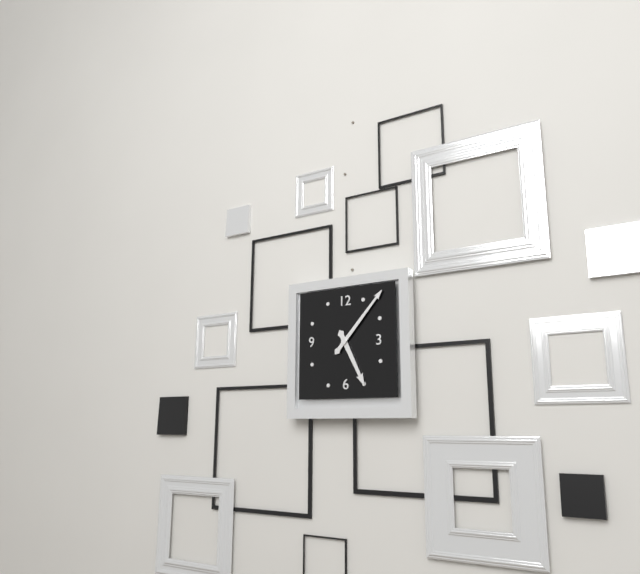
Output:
5 h 07 min
